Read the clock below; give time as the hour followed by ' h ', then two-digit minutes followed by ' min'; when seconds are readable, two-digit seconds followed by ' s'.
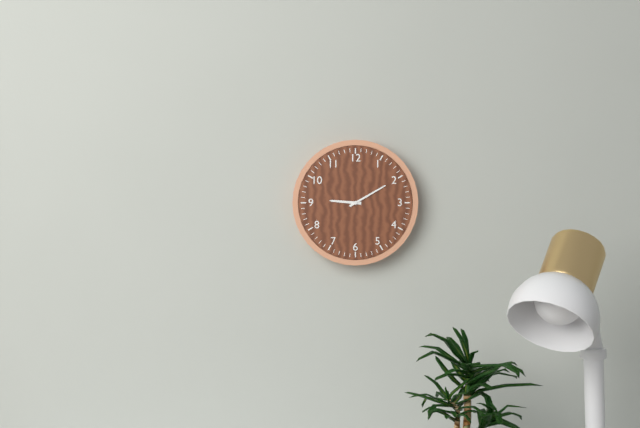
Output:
9 h 10 min
